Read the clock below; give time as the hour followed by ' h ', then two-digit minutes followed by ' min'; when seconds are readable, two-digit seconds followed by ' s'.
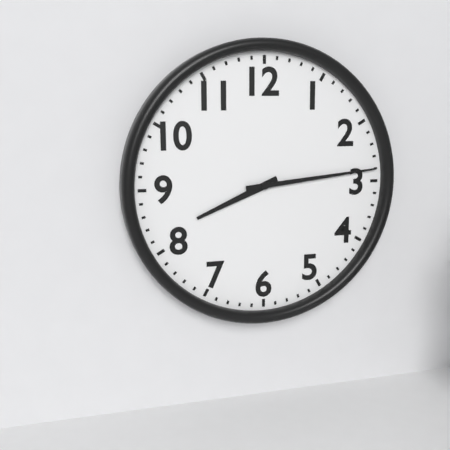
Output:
8 h 14 min
